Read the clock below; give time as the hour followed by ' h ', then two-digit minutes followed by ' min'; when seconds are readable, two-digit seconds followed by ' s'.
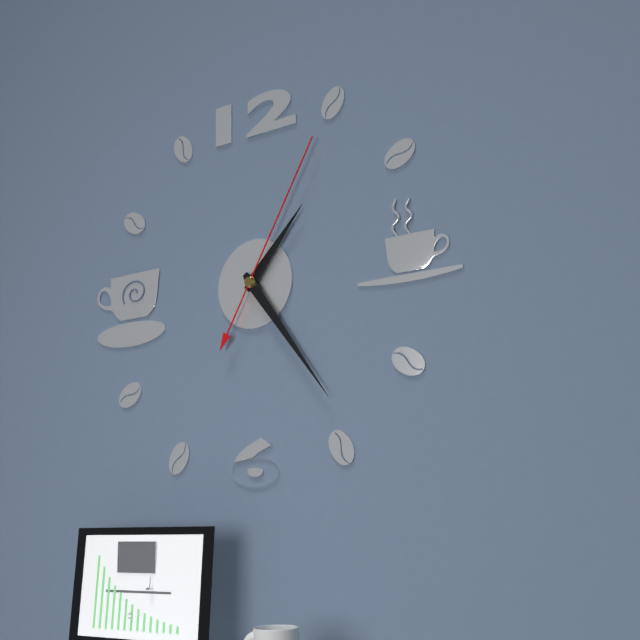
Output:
1 h 24 min 05 s
